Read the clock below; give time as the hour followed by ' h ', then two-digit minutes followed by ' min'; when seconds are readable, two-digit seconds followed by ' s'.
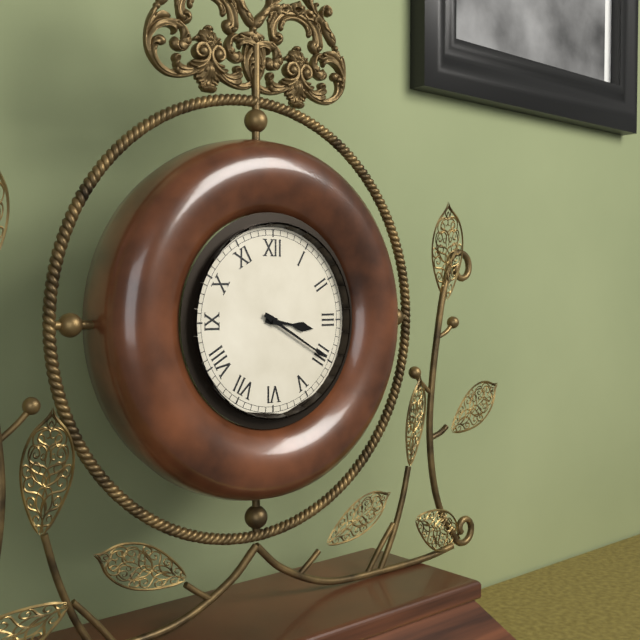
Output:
3 h 20 min
